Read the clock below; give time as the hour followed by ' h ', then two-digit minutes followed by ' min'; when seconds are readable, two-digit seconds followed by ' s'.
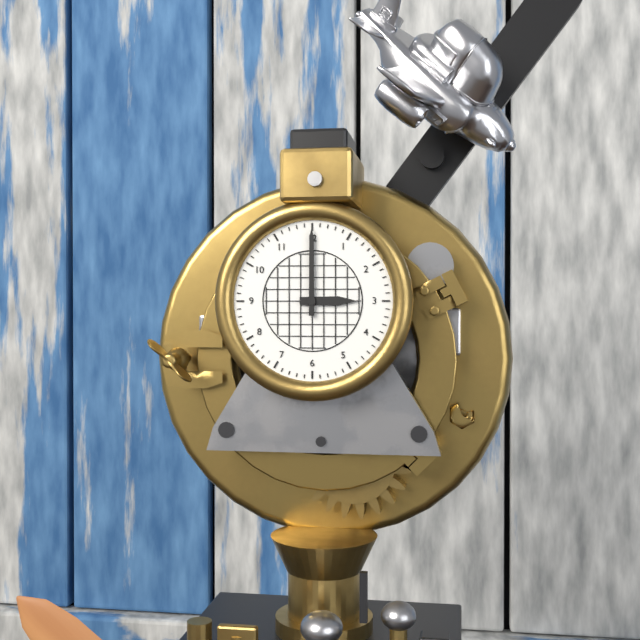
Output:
3 h 00 min
